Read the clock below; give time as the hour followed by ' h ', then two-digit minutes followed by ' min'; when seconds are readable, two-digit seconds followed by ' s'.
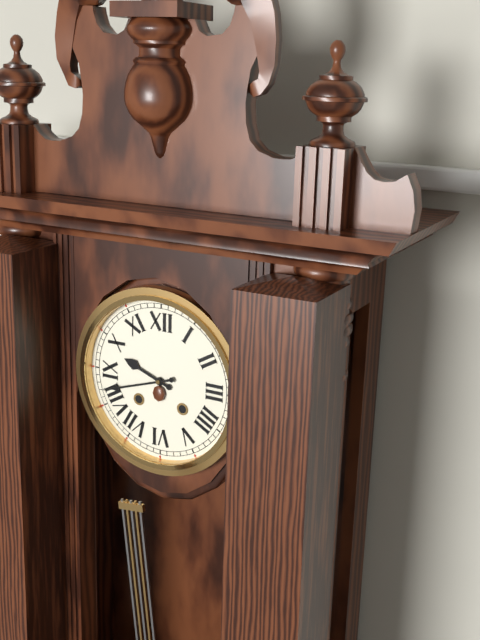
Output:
9 h 42 min
